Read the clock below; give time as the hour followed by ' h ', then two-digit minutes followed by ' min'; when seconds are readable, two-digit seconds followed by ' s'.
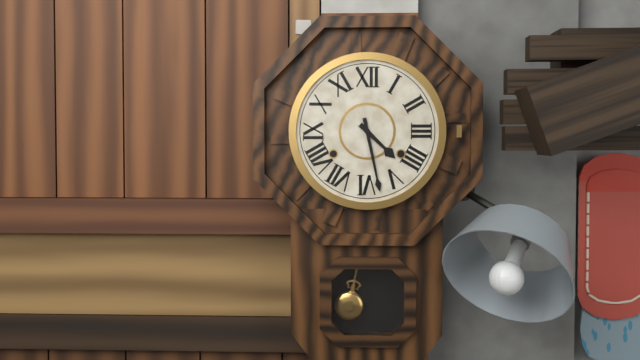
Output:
4 h 28 min
